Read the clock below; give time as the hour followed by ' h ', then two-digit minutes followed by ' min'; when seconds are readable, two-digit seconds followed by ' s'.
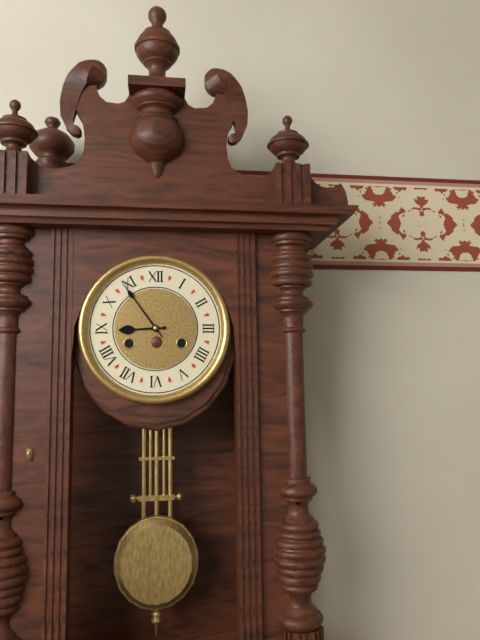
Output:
8 h 54 min
